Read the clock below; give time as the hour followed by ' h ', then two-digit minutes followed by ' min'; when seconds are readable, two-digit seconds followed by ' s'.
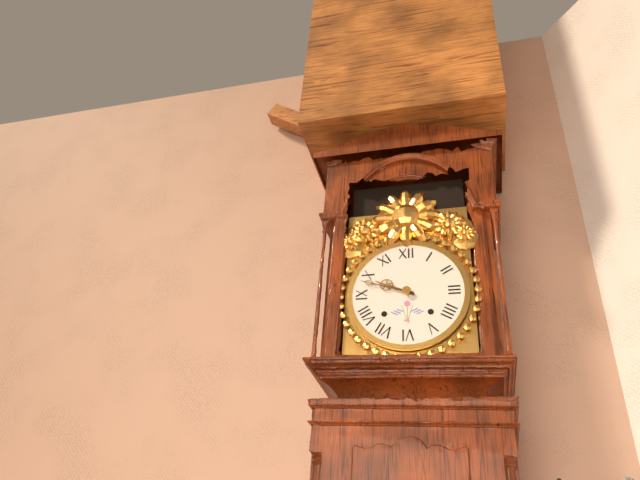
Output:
9 h 48 min
